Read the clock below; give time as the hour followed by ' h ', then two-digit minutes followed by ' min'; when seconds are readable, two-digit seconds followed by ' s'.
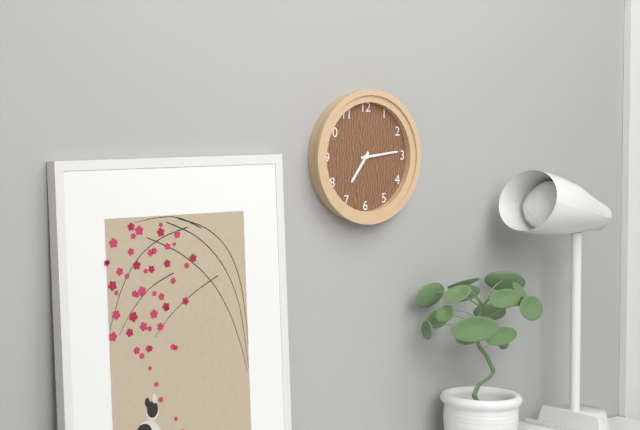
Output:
7 h 14 min
